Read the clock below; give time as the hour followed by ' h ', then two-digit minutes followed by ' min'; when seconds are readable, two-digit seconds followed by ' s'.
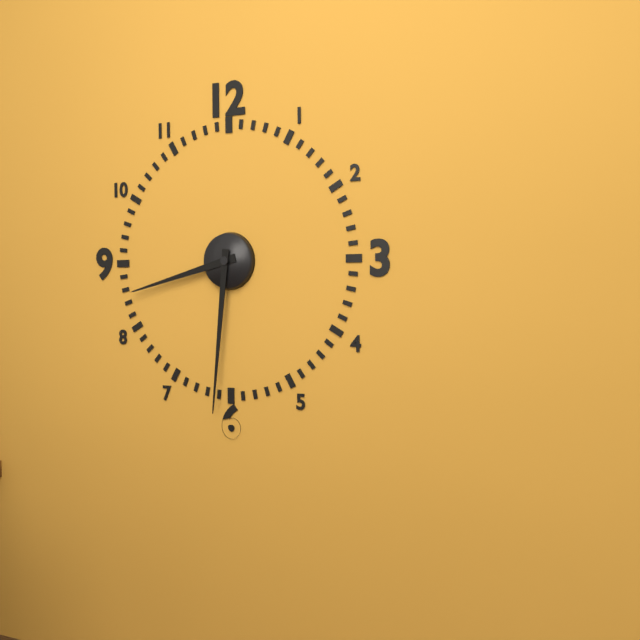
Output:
8 h 31 min
